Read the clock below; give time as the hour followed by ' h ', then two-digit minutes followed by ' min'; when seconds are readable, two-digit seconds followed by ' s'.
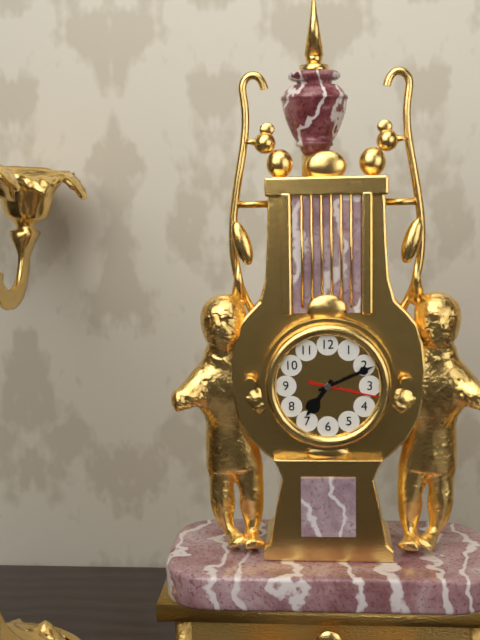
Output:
7 h 11 min 17 s
